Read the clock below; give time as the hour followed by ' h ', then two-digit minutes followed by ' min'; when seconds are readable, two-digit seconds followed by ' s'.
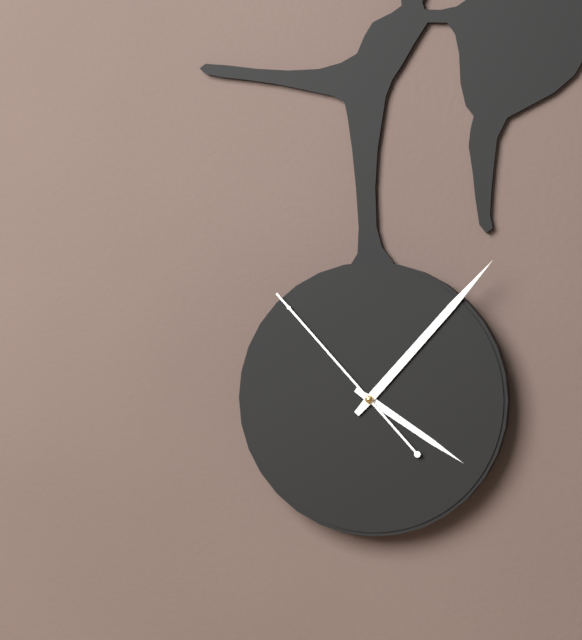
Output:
4 h 07 min 53 s
